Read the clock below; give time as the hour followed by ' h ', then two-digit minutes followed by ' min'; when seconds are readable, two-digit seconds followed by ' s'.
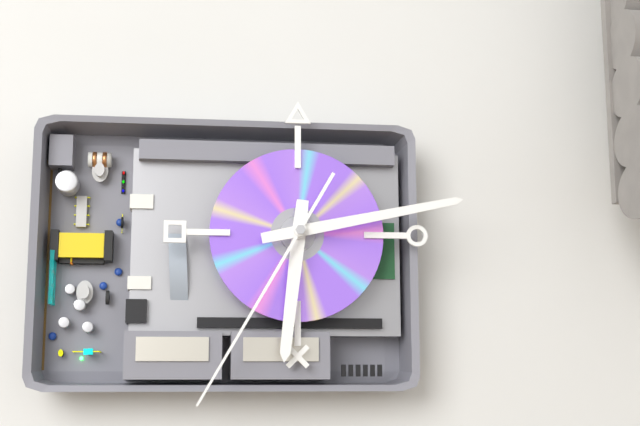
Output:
6 h 13 min 35 s
